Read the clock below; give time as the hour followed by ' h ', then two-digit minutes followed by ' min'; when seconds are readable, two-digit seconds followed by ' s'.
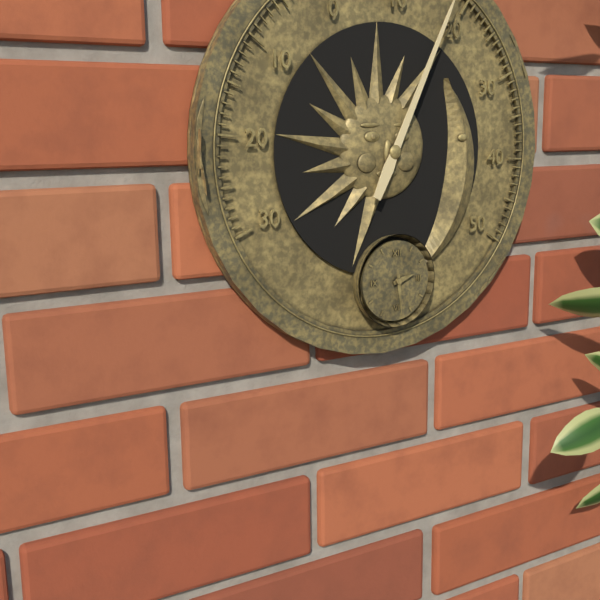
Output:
2 h 29 min
